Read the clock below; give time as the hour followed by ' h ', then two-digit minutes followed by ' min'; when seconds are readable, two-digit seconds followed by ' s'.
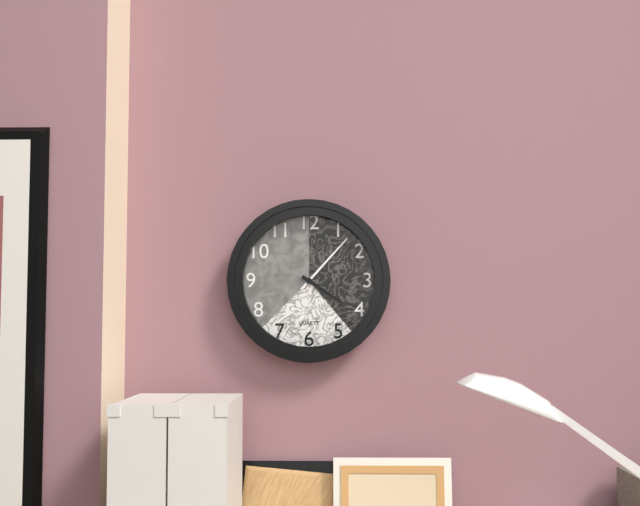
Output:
4 h 07 min
